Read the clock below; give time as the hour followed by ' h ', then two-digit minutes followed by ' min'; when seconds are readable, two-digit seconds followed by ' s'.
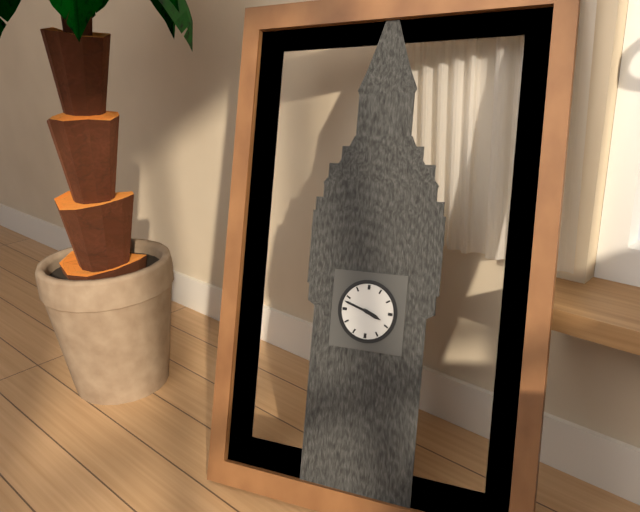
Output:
3 h 48 min
